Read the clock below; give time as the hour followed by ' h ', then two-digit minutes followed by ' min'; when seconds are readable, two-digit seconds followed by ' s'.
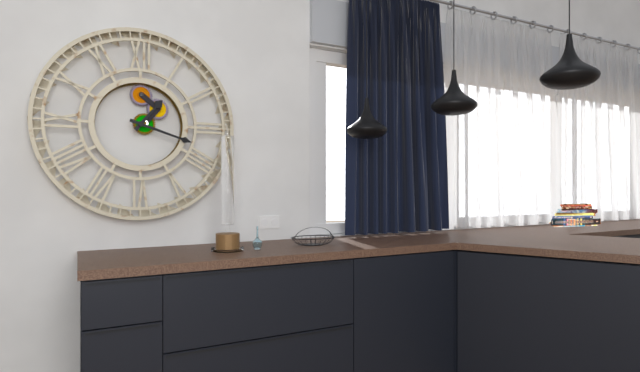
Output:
1 h 18 min
